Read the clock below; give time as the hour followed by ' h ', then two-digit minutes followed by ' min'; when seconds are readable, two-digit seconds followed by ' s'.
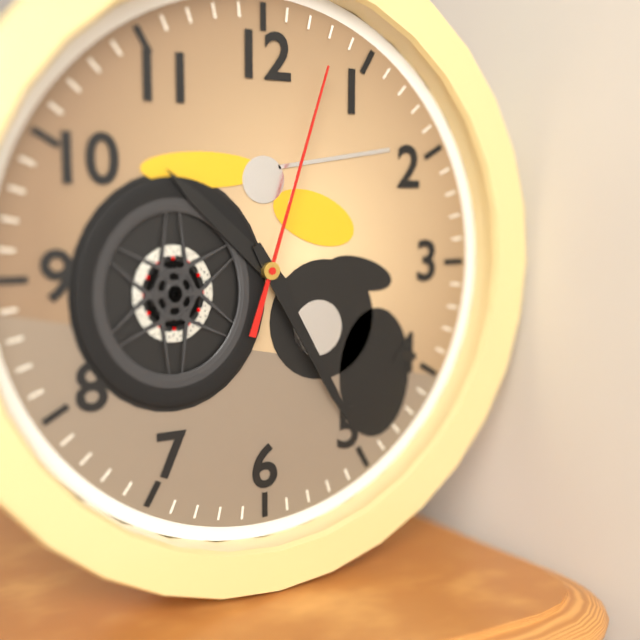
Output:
10 h 25 min 03 s
